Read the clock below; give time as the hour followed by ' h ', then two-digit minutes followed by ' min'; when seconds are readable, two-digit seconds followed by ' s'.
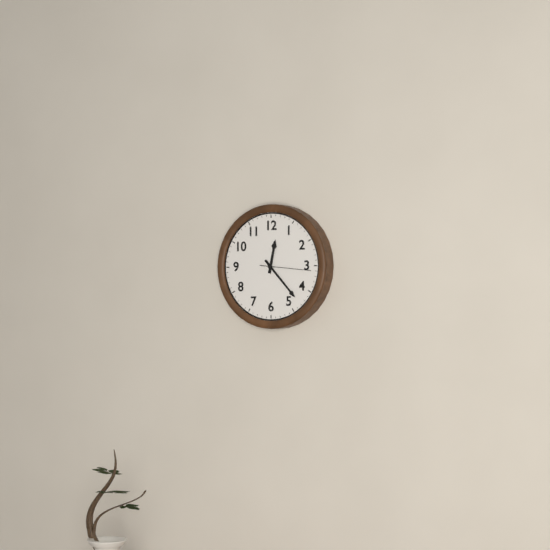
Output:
12 h 23 min 16 s
